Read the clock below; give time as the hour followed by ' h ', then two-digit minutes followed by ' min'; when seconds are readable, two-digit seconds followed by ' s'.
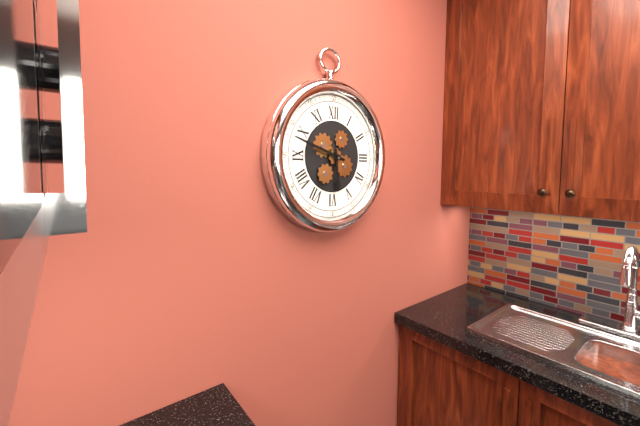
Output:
5 h 48 min
